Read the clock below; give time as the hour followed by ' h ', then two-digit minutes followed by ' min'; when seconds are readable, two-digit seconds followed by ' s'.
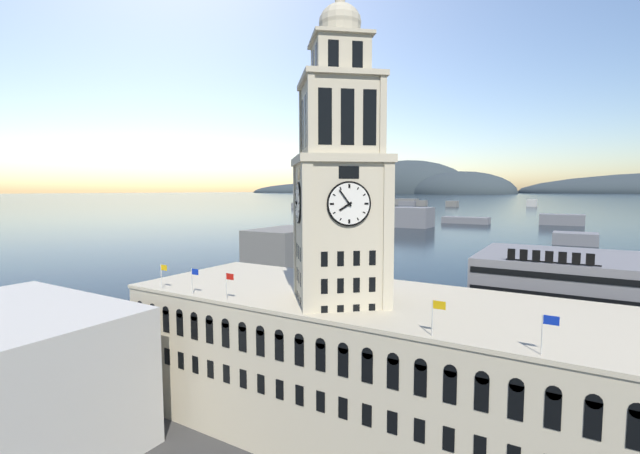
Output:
7 h 54 min
